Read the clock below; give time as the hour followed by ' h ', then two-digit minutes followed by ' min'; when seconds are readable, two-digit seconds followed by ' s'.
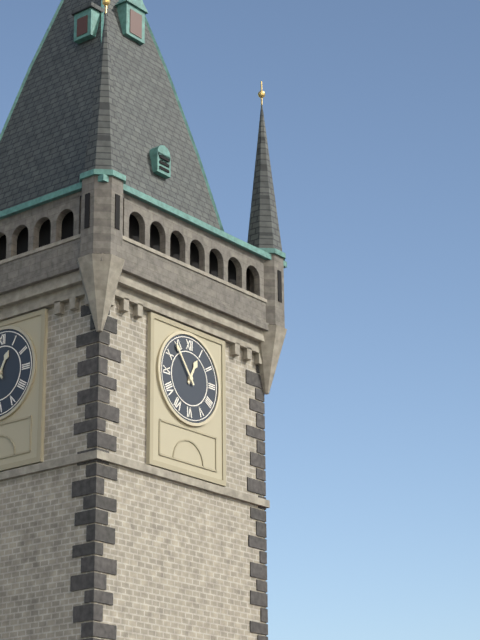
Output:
12 h 54 min
